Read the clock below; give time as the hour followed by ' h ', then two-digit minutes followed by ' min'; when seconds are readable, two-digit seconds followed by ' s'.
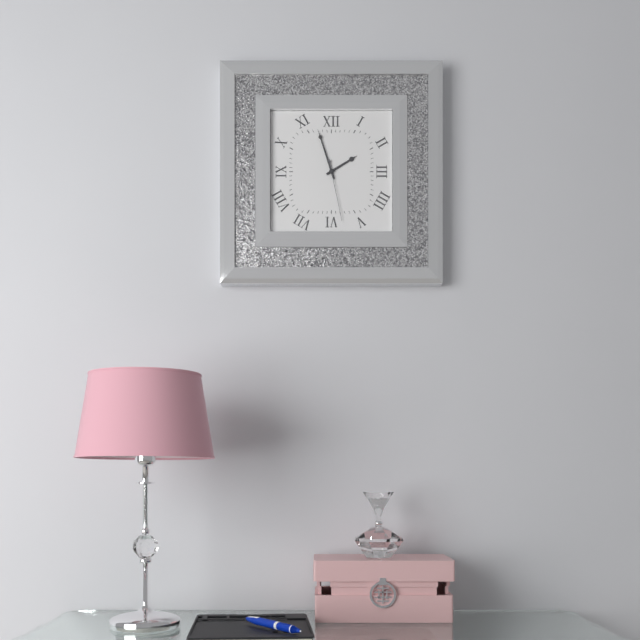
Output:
1 h 57 min 28 s
